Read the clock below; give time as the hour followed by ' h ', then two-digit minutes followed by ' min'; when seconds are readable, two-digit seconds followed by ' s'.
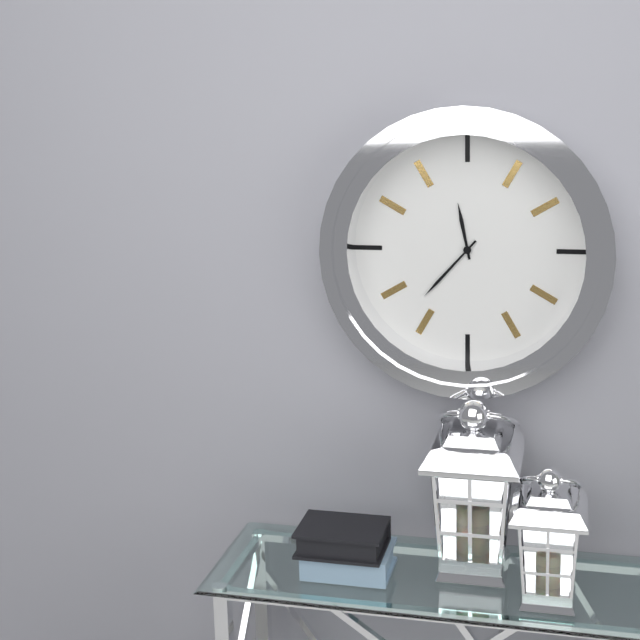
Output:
11 h 37 min
